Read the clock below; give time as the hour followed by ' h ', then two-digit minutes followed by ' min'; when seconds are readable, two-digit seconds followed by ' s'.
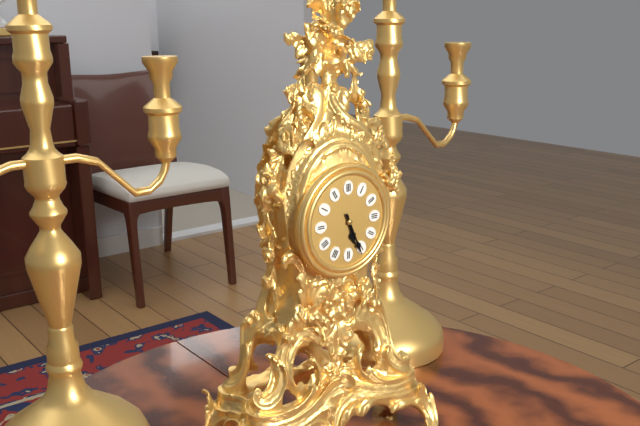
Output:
5 h 26 min
